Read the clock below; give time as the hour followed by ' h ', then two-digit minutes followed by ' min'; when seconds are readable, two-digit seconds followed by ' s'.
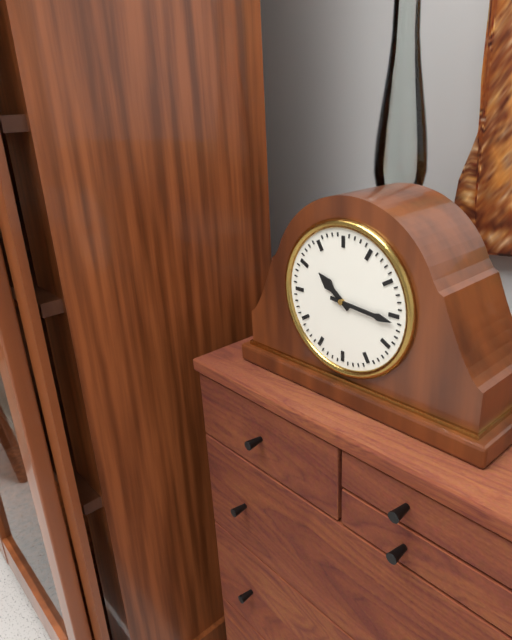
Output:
10 h 16 min
